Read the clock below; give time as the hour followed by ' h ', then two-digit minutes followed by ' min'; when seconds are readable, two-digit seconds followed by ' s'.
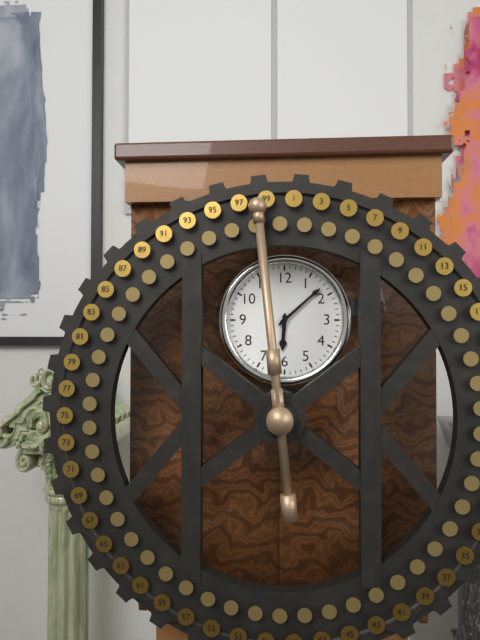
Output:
6 h 08 min
